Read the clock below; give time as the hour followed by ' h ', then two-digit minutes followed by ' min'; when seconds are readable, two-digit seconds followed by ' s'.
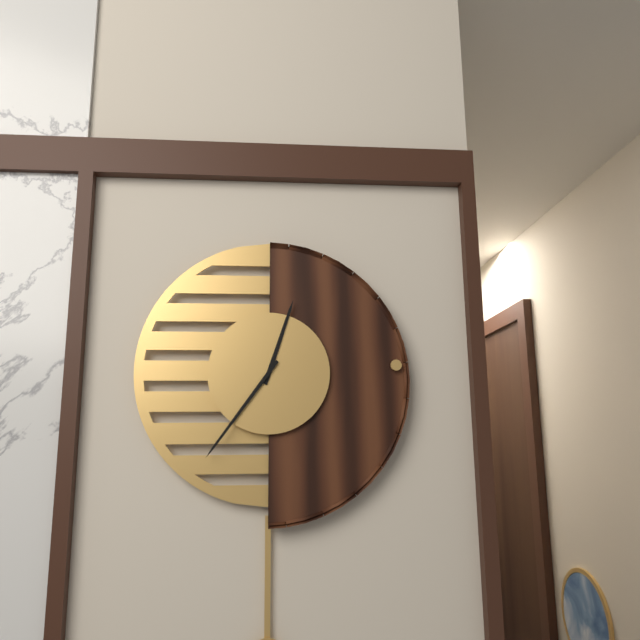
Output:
12 h 36 min
